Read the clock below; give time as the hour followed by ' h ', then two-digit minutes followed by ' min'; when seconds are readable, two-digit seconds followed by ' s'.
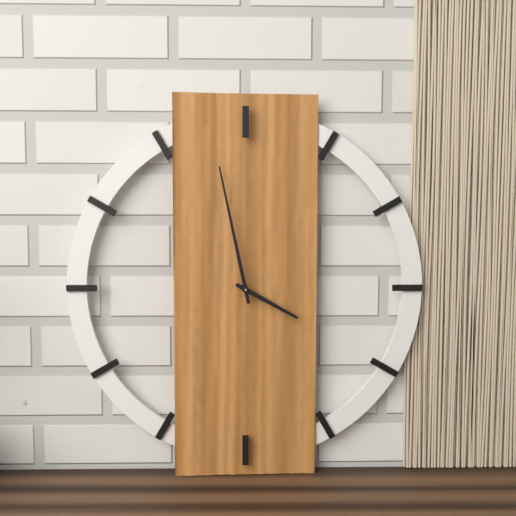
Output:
3 h 58 min
